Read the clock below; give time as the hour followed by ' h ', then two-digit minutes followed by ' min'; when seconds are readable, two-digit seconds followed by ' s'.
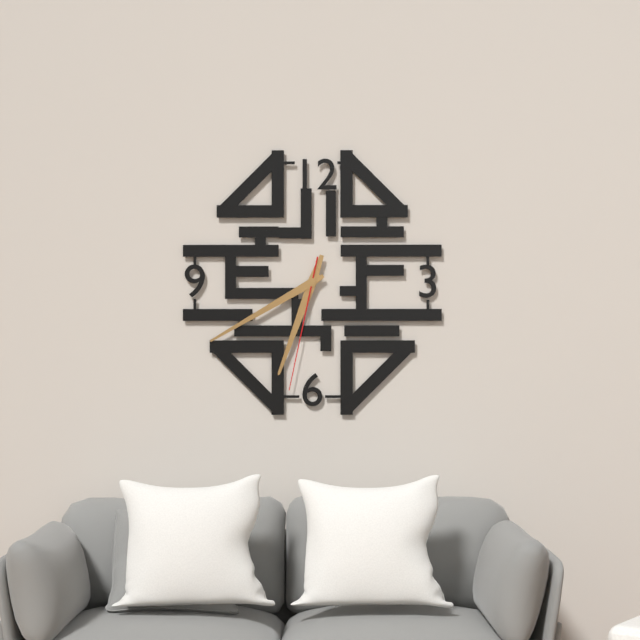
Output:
6 h 40 min 32 s
